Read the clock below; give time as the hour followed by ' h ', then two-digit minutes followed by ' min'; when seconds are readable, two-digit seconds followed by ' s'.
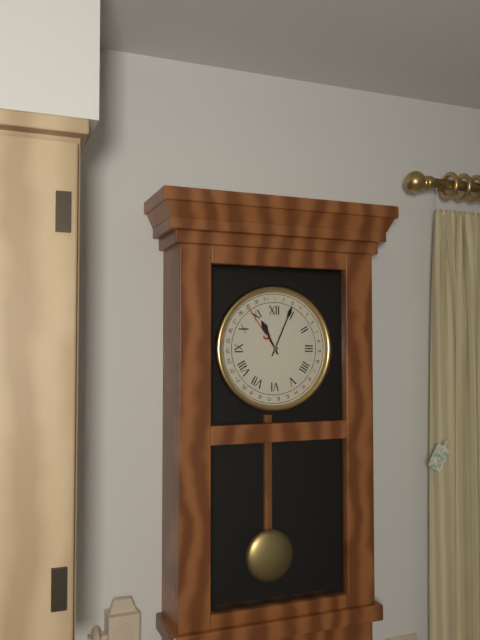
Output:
11 h 04 min
